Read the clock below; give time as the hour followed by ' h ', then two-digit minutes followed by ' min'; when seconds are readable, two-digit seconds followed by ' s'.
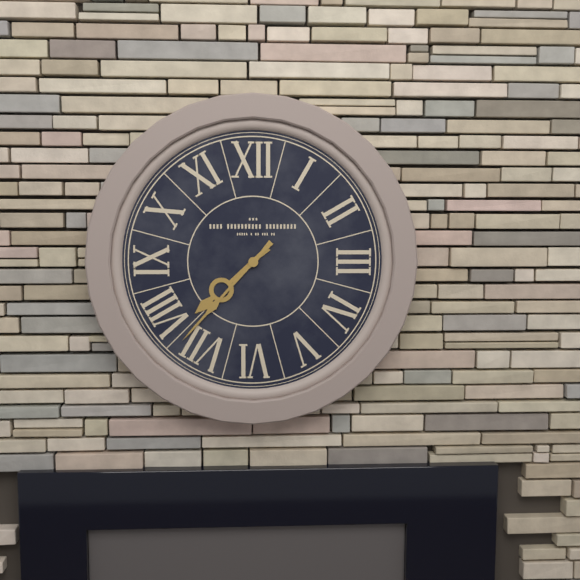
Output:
7 h 37 min
